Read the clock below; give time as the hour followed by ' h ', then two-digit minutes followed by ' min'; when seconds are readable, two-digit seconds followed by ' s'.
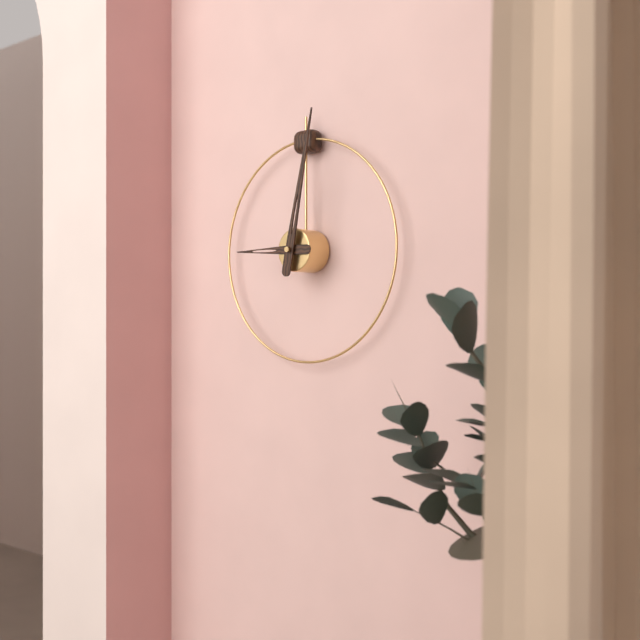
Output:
9 h 02 min
